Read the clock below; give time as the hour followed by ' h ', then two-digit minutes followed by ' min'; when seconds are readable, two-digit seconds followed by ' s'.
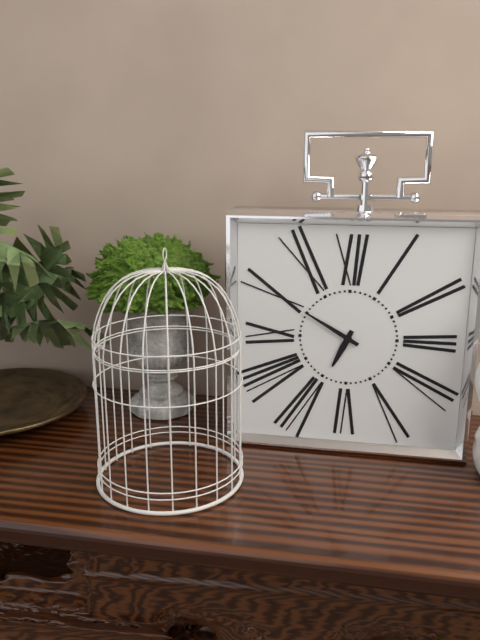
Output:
6 h 50 min
